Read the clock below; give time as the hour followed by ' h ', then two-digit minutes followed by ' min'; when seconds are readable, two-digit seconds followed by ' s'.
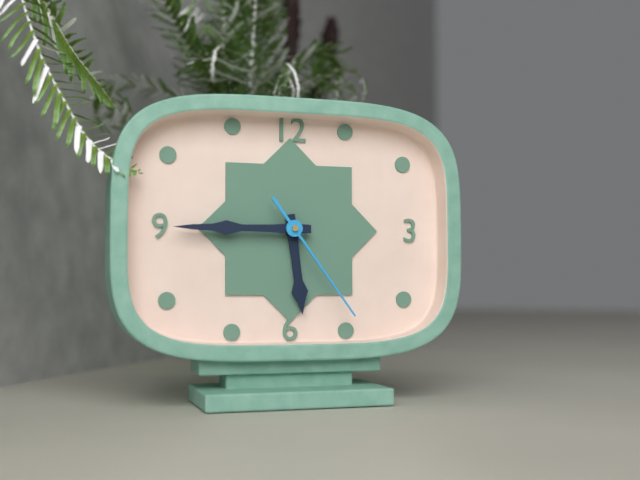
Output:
5 h 45 min 24 s
